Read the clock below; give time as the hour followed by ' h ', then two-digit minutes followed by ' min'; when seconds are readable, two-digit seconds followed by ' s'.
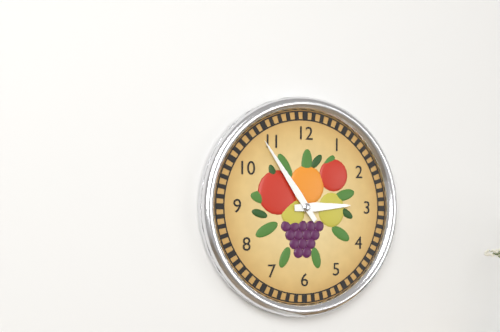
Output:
2 h 54 min
